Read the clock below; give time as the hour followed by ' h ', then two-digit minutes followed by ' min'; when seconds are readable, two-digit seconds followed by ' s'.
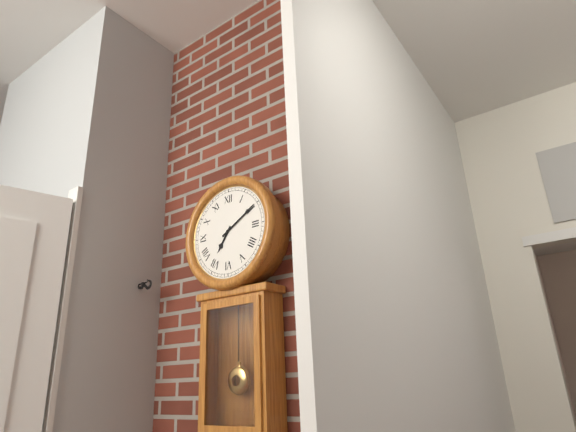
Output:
7 h 10 min
